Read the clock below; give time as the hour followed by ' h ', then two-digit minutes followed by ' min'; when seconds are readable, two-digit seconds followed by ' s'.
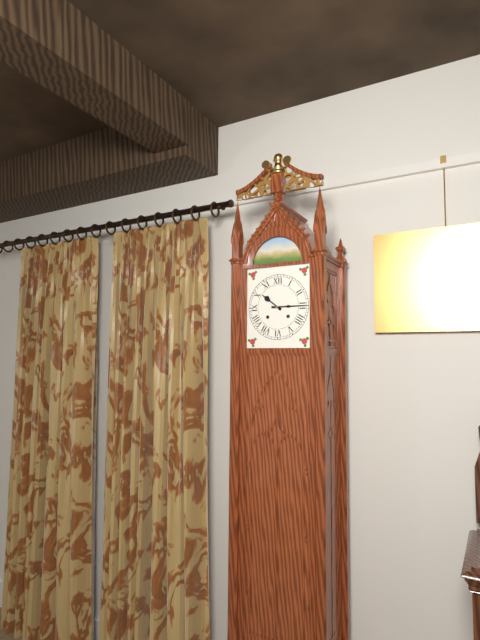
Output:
10 h 15 min
